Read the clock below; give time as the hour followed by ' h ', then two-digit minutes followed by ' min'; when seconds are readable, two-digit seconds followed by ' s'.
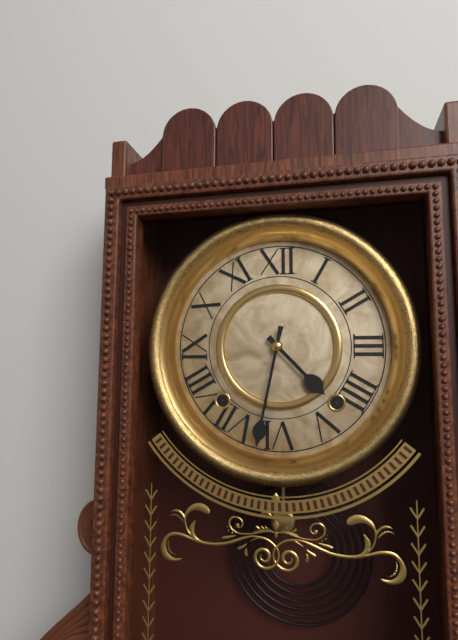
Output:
4 h 32 min
